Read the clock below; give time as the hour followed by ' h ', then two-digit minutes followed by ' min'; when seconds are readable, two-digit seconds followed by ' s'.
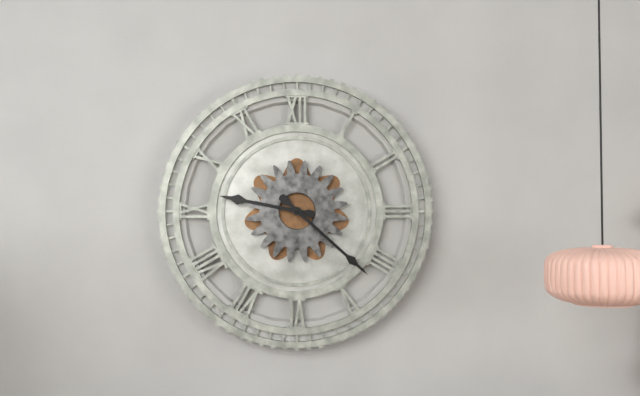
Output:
9 h 22 min
